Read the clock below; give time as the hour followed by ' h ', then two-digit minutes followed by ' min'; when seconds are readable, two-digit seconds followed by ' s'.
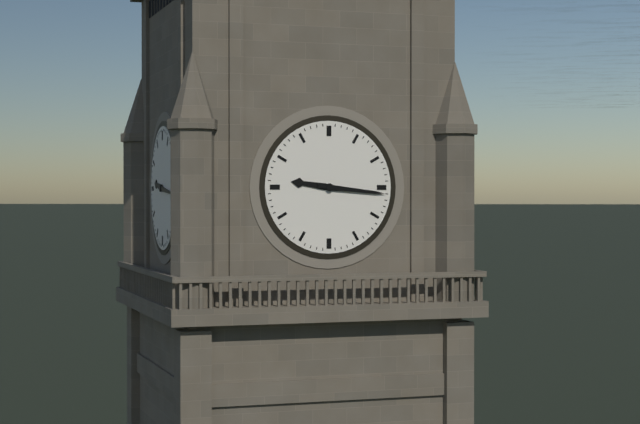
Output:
9 h 16 min
